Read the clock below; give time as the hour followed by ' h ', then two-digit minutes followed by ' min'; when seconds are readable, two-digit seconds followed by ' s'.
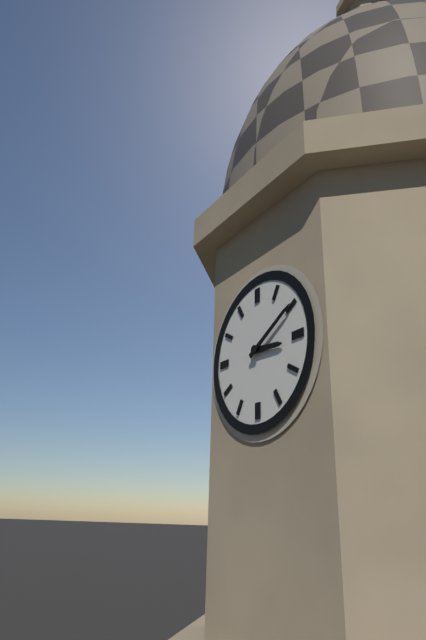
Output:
3 h 10 min
